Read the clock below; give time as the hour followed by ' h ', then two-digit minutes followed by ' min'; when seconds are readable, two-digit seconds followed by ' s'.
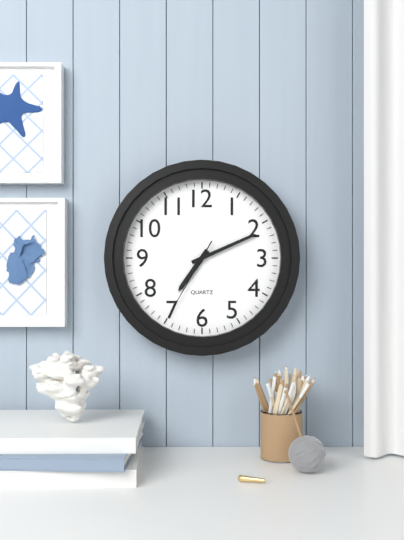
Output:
7 h 11 min 35 s
